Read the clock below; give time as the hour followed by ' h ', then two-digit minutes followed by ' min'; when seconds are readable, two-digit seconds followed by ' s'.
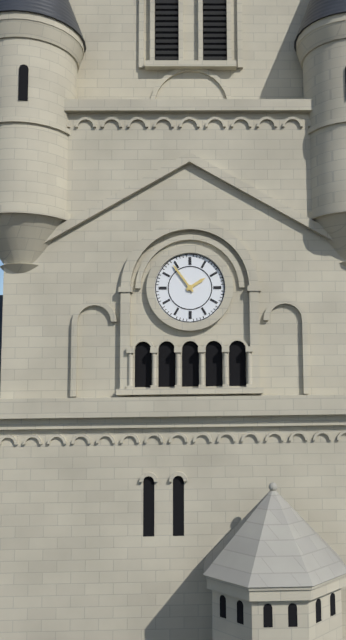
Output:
1 h 54 min
